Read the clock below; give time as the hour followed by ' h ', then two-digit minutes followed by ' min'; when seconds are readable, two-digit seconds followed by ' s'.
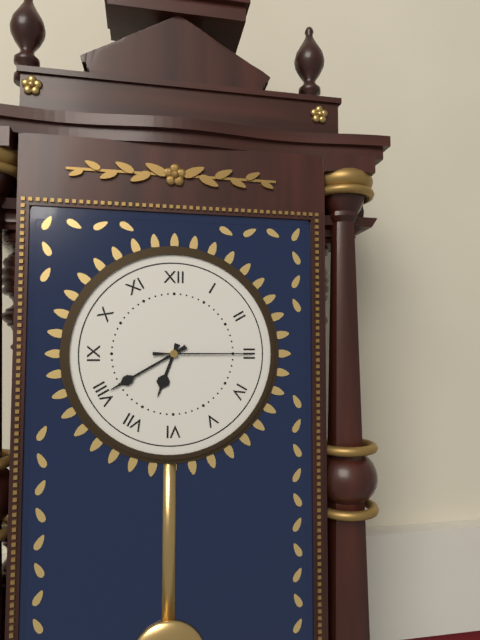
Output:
6 h 40 min 15 s
